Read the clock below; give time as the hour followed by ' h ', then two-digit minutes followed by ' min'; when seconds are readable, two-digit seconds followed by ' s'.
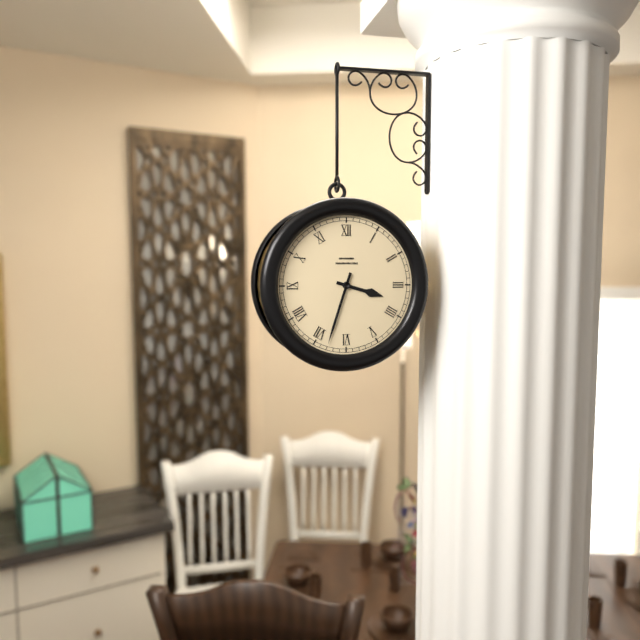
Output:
3 h 33 min
